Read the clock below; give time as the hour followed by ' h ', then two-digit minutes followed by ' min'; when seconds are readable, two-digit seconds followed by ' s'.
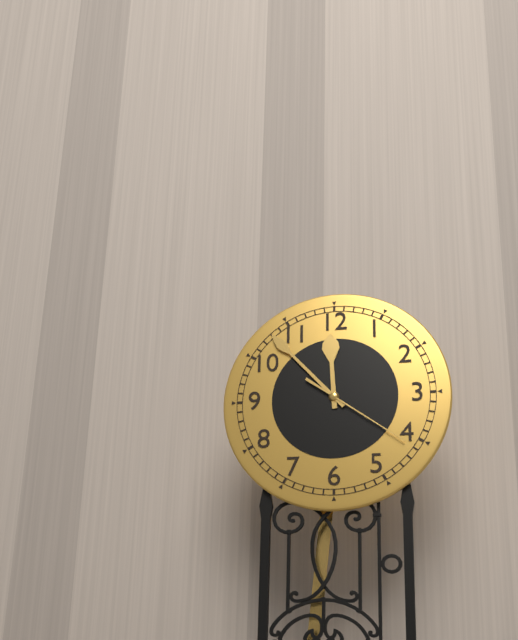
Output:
11 h 53 min 21 s
